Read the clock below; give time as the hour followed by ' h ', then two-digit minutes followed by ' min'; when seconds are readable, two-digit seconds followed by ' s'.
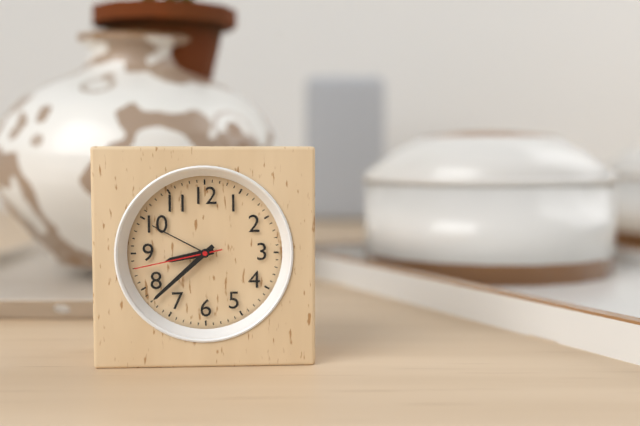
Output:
8 h 38 min 43 s
